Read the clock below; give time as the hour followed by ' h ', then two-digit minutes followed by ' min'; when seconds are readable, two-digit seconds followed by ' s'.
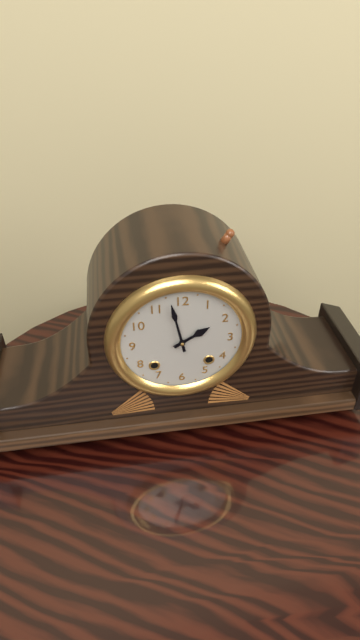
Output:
1 h 58 min
